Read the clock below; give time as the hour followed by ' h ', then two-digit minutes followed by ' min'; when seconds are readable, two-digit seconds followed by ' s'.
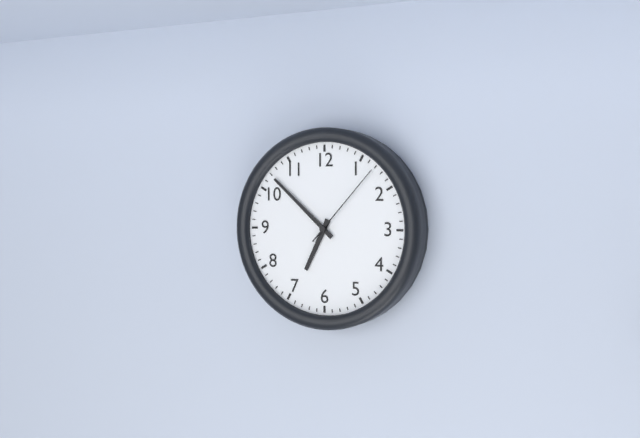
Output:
6 h 52 min 07 s
